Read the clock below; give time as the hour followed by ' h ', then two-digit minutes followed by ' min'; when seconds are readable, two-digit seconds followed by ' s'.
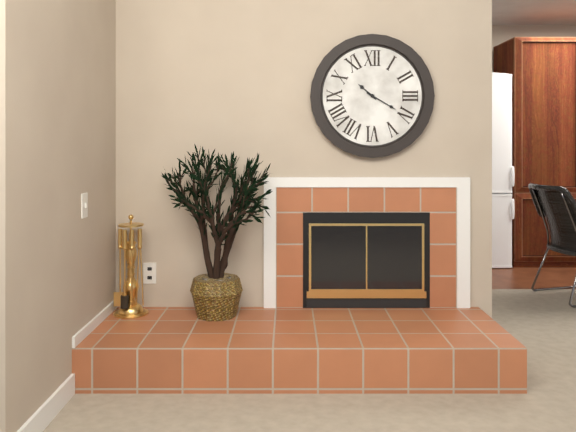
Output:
10 h 20 min
